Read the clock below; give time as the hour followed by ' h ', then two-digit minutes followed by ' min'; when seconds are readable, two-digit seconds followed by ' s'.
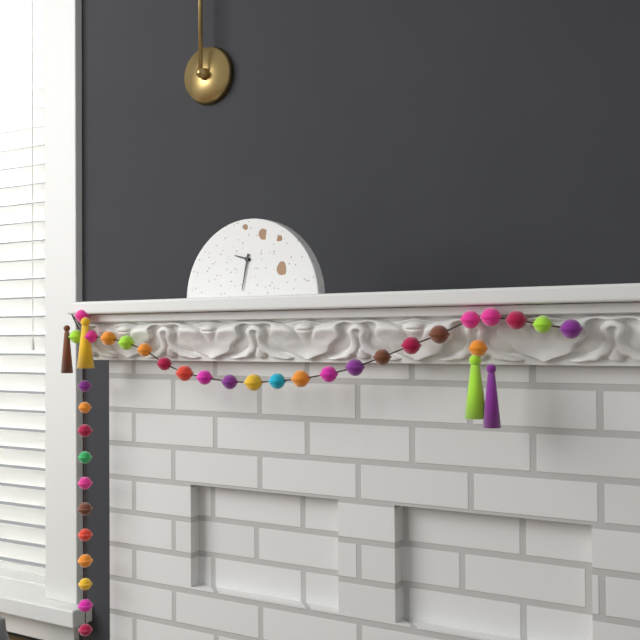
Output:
9 h 32 min
